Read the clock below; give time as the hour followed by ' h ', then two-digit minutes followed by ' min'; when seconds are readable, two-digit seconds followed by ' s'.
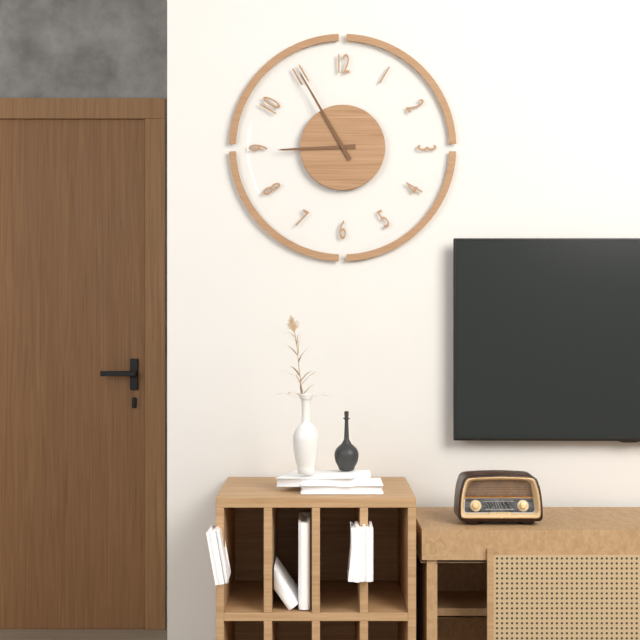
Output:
8 h 55 min
